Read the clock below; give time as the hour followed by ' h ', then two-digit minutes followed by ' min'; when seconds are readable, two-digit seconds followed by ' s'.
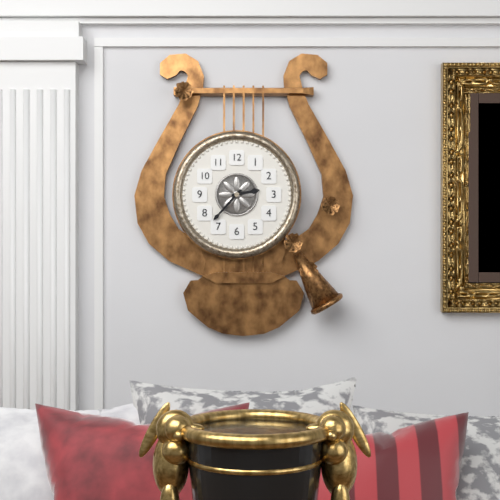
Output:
2 h 37 min
